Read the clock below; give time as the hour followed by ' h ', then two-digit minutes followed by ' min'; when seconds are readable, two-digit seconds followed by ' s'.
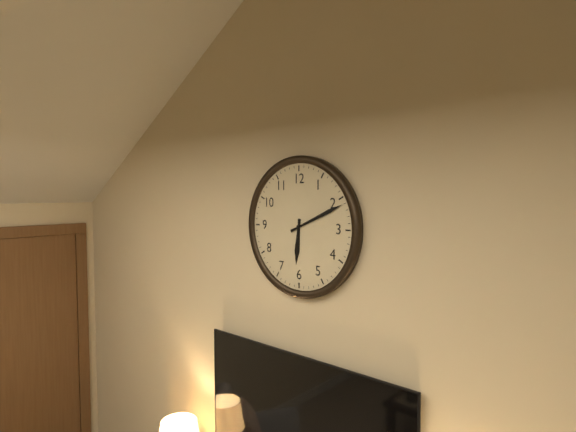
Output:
6 h 11 min
